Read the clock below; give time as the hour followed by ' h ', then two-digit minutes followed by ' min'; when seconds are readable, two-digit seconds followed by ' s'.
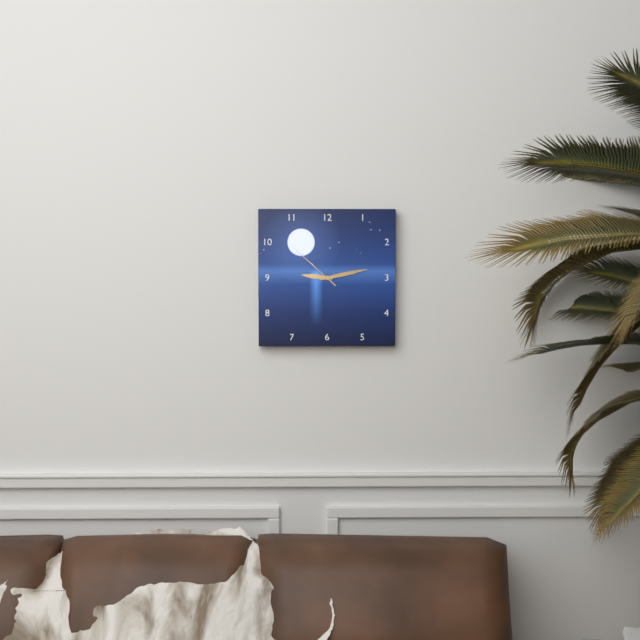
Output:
9 h 13 min 52 s
